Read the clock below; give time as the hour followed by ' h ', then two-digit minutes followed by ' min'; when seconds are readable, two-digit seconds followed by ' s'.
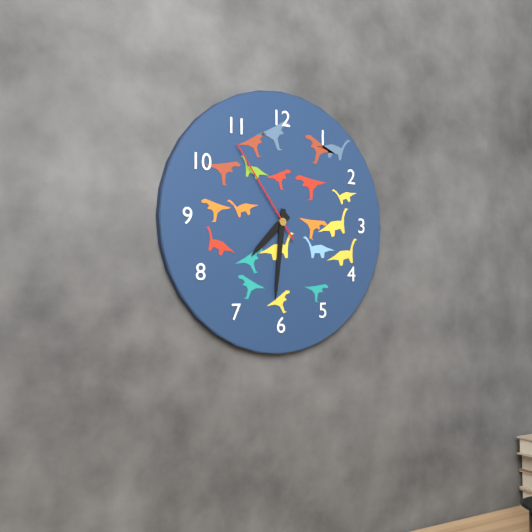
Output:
7 h 31 min 54 s
